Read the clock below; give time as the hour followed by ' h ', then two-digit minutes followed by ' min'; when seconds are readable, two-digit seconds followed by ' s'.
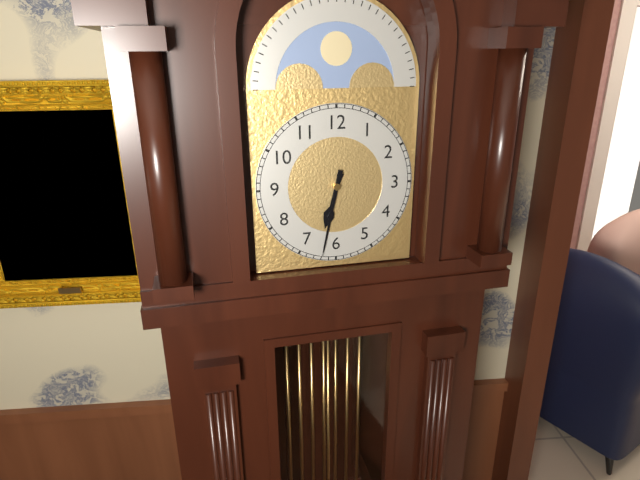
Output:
6 h 32 min
